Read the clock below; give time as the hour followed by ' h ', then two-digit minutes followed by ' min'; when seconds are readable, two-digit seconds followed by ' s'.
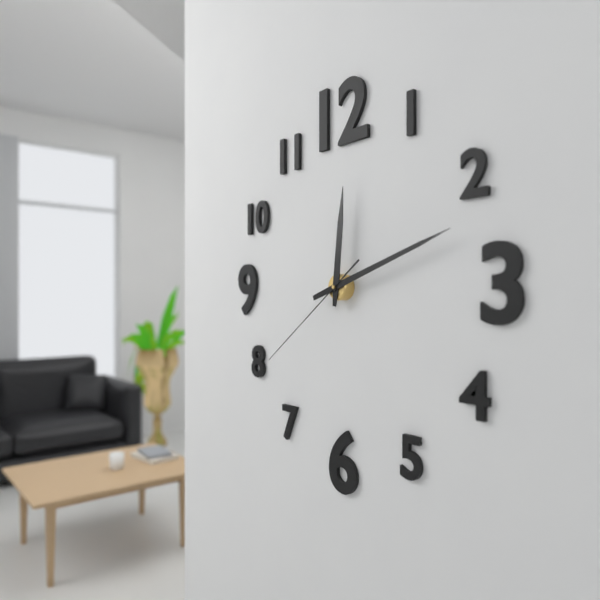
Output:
12 h 12 min 39 s
